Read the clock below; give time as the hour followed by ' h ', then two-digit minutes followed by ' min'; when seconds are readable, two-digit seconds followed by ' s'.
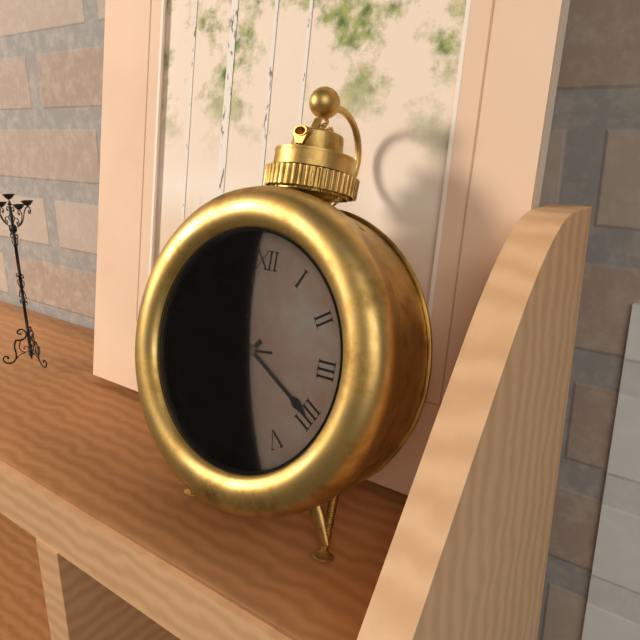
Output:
7 h 20 min 44 s
